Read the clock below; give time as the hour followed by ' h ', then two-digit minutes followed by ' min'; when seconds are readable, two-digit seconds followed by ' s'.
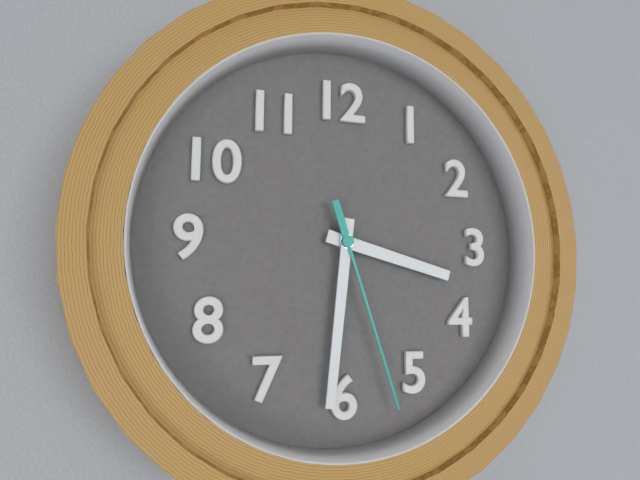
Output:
3 h 31 min 27 s
